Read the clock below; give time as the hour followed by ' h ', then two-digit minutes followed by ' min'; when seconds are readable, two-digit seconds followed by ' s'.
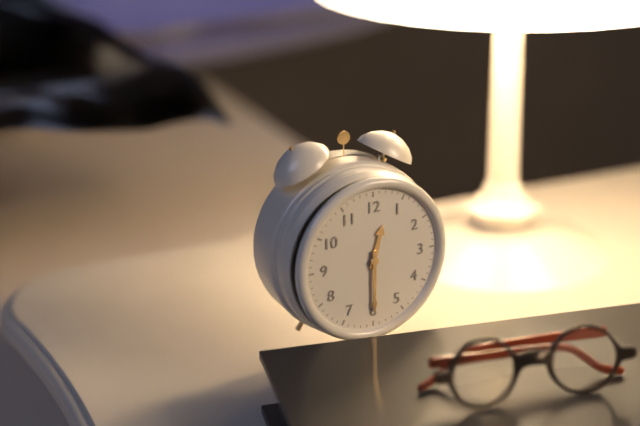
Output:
12 h 30 min
